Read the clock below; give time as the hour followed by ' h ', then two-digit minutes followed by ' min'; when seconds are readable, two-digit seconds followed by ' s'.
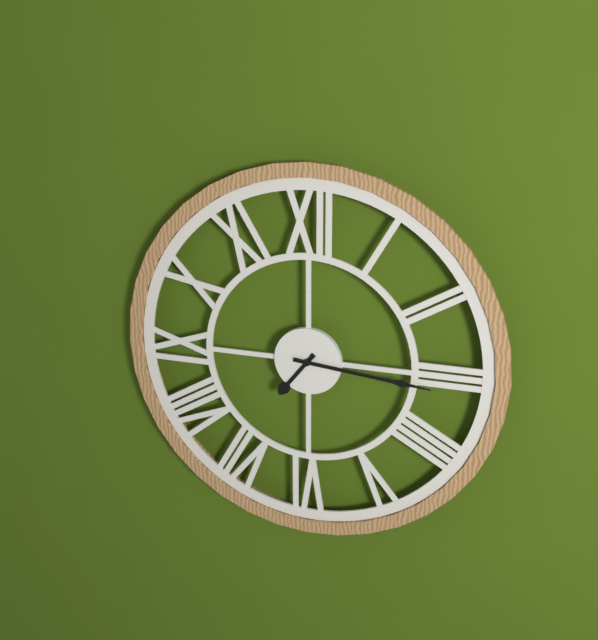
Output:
7 h 16 min
